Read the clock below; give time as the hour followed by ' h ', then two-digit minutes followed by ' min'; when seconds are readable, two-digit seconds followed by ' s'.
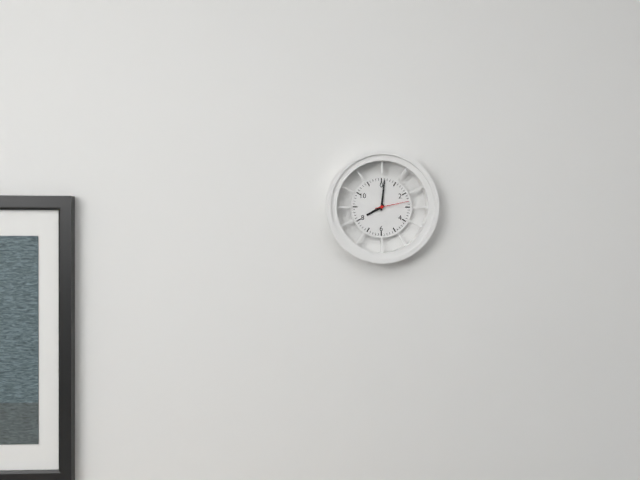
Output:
8 h 01 min
